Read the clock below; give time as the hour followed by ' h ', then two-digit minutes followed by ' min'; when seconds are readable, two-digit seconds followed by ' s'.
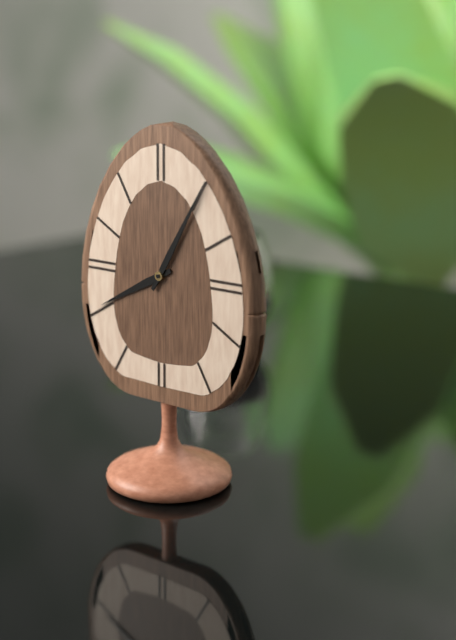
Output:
8 h 05 min
